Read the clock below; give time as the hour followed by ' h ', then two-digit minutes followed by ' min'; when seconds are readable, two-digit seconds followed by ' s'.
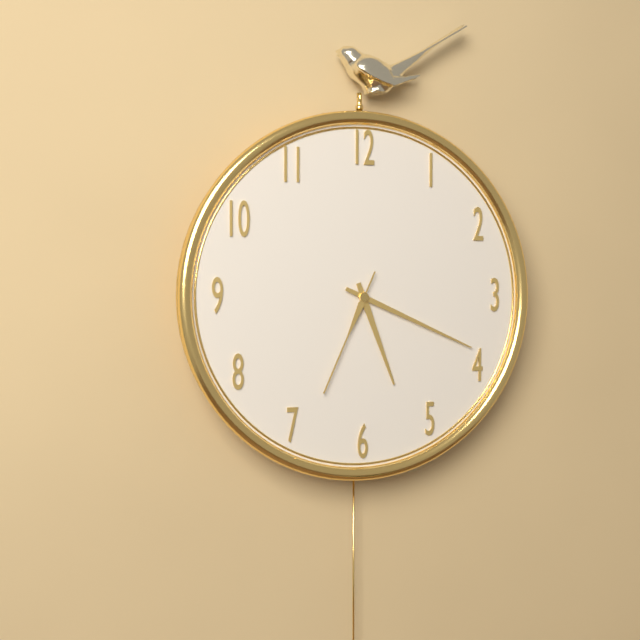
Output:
5 h 19 min 34 s
